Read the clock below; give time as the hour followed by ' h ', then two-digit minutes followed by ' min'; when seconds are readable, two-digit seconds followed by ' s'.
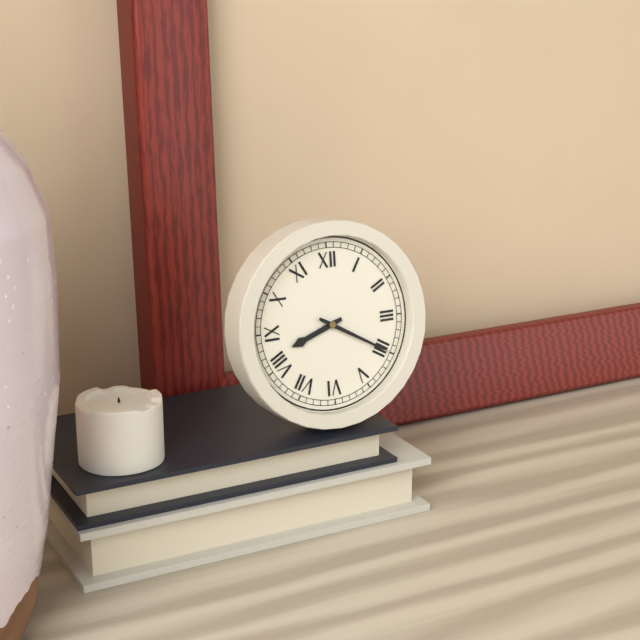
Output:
8 h 20 min
